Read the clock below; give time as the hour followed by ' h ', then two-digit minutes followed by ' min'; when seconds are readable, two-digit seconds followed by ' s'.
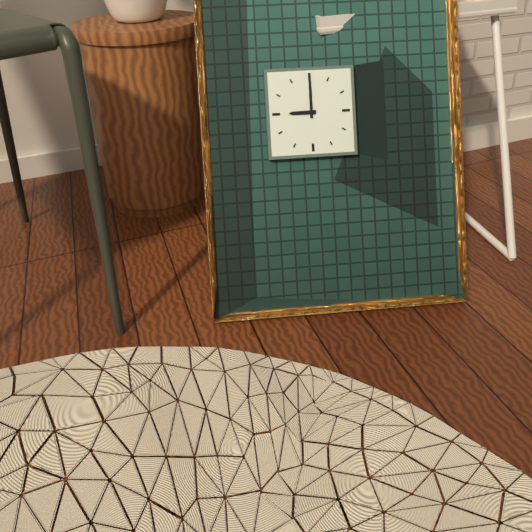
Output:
9 h 00 min
